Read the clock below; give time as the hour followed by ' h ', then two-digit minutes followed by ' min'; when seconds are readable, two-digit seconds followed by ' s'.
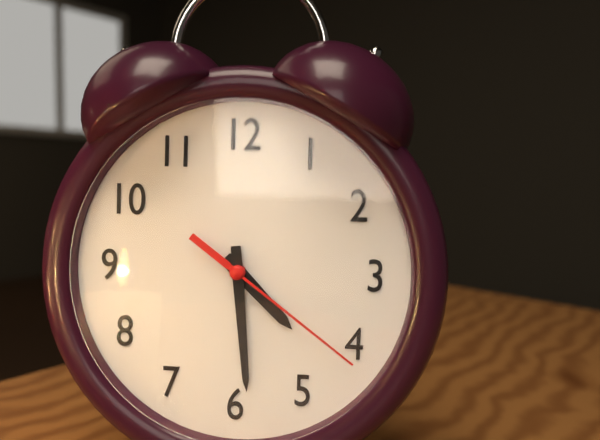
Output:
4 h 29 min 21 s
